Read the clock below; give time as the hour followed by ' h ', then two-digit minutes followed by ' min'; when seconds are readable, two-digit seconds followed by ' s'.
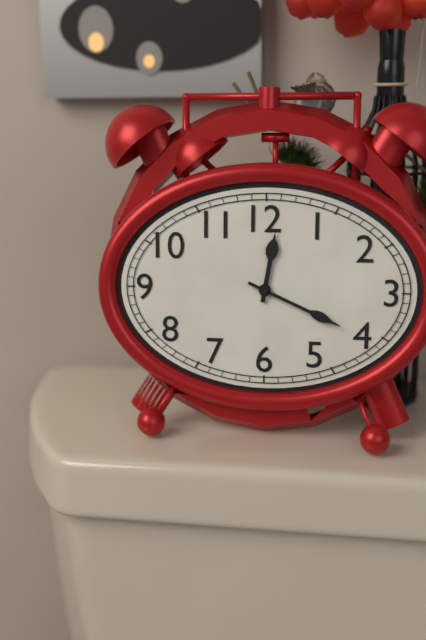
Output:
12 h 19 min
